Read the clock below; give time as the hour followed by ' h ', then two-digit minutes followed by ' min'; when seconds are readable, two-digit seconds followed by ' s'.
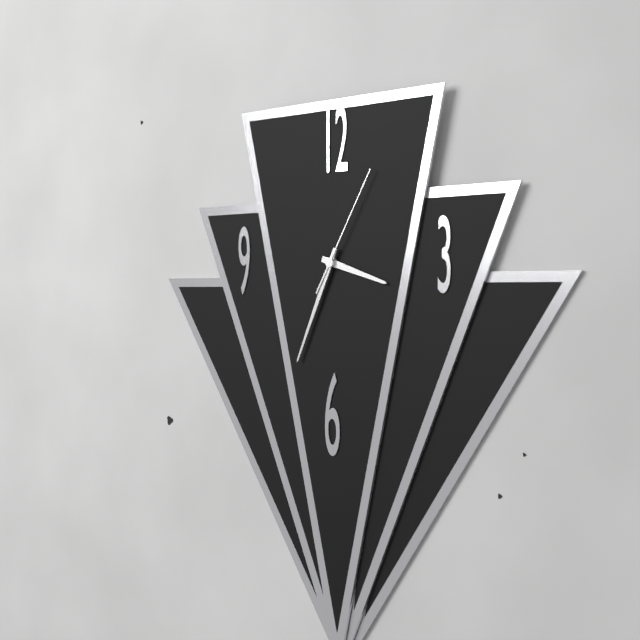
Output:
3 h 34 min 05 s
